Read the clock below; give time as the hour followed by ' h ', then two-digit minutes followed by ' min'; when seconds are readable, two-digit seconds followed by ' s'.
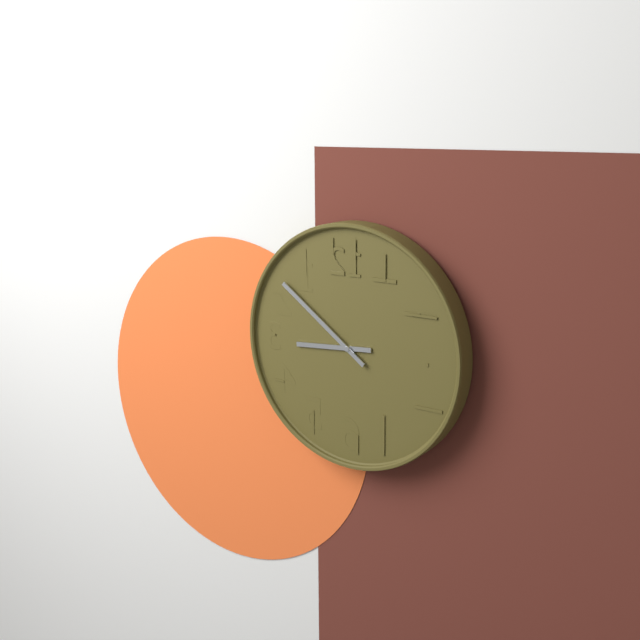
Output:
8 h 51 min
